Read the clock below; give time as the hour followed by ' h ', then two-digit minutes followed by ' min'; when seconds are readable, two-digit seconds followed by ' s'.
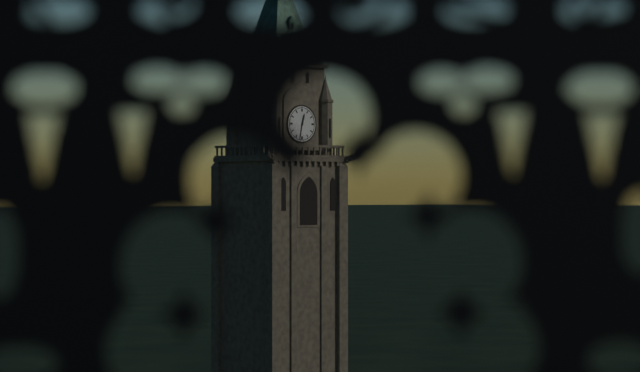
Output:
12 h 32 min
